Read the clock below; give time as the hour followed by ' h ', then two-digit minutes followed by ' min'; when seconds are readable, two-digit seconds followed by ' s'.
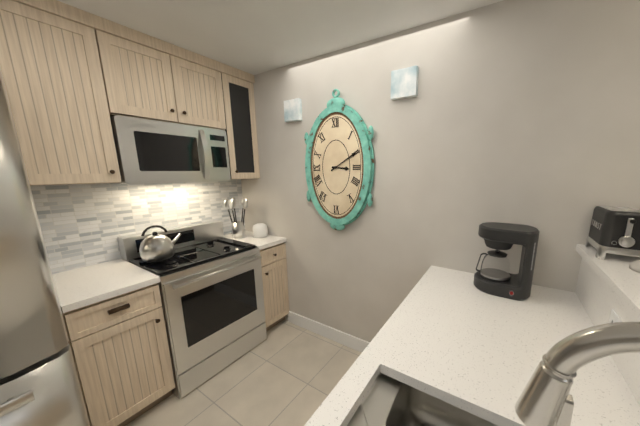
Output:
3 h 10 min
